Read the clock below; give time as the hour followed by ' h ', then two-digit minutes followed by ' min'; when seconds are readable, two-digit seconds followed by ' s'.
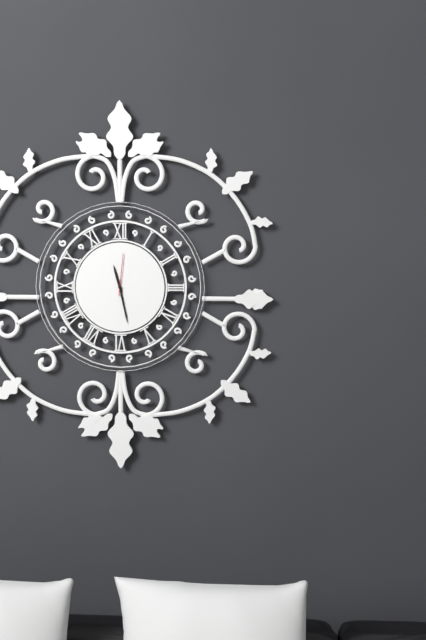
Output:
11 h 28 min
